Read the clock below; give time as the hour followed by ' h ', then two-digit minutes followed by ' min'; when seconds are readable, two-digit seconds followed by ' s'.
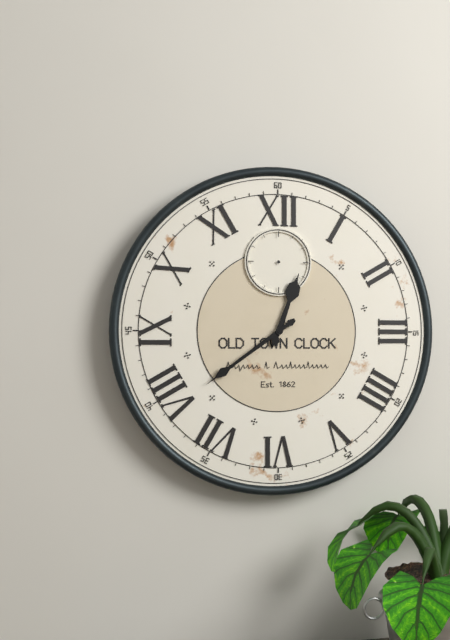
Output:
12 h 39 min
